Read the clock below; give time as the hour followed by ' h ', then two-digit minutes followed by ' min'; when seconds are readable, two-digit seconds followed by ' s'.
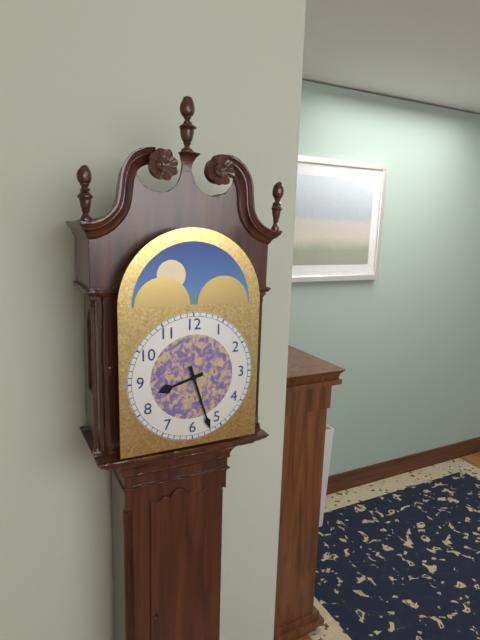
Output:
8 h 27 min
